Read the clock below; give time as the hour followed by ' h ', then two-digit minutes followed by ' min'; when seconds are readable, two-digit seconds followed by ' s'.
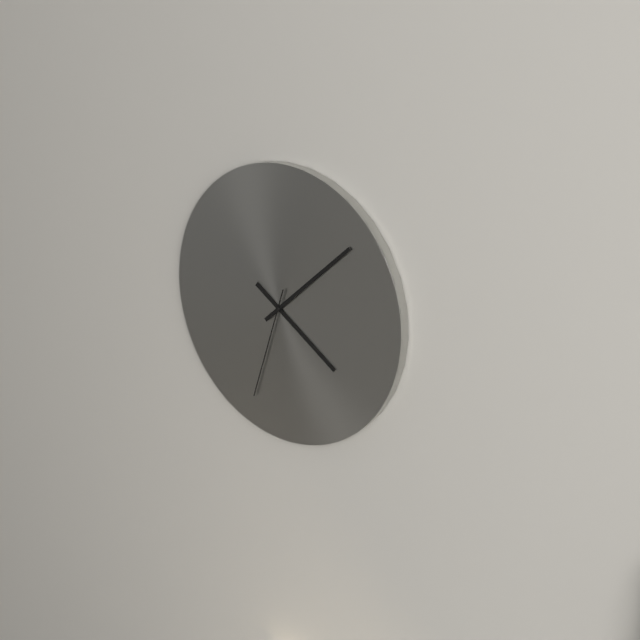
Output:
4 h 08 min 33 s
